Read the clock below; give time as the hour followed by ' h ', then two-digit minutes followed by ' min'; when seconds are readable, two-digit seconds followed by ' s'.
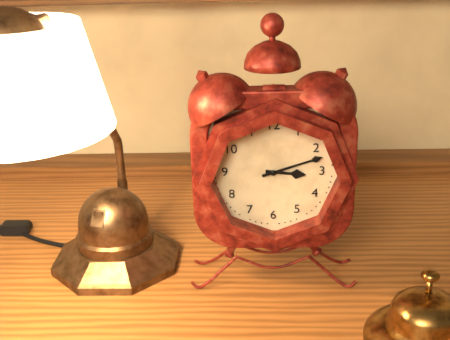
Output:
3 h 12 min
